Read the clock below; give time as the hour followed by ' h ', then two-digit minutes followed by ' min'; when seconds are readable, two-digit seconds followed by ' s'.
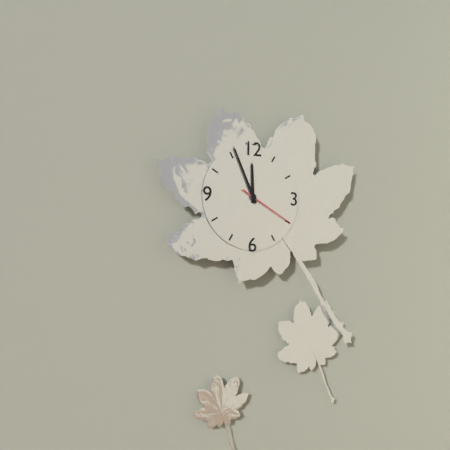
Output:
11 h 56 min 20 s
